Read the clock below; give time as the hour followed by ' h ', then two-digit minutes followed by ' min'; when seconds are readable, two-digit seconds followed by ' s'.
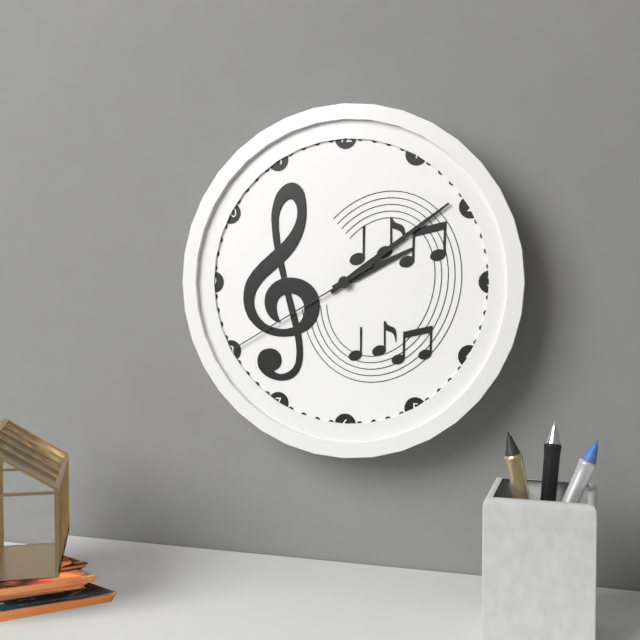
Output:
2 h 09 min 40 s
